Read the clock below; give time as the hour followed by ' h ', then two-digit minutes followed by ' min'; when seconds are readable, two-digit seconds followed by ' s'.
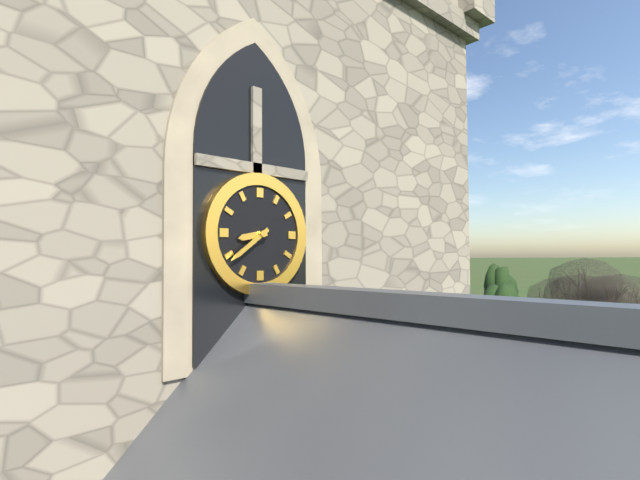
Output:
8 h 39 min
